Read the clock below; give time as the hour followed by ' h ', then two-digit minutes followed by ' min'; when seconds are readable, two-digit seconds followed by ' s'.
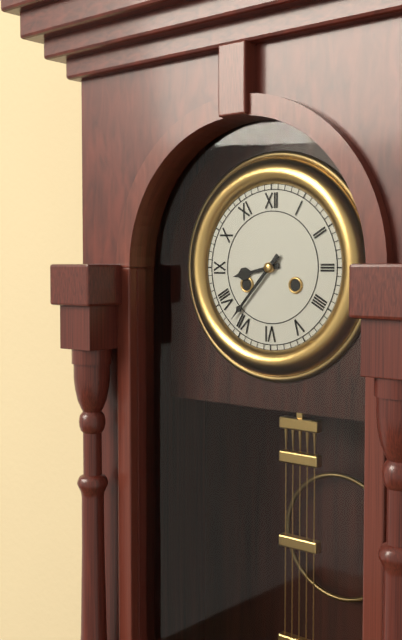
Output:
8 h 37 min
